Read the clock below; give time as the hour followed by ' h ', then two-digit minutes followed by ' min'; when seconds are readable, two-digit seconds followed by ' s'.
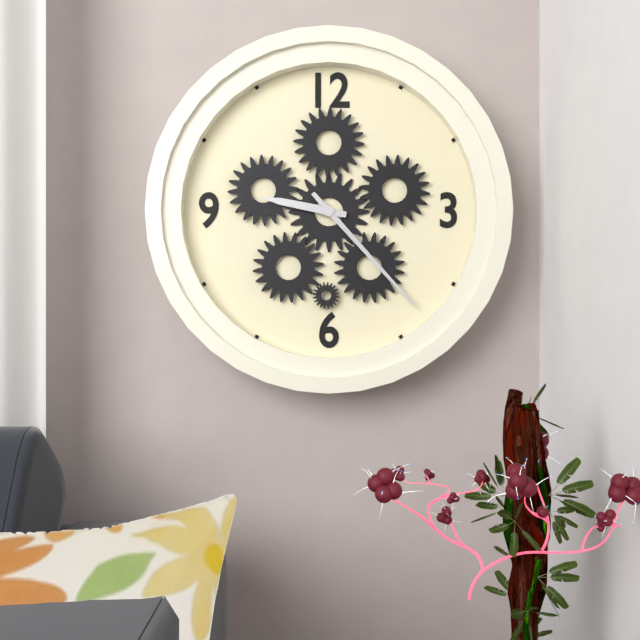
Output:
9 h 23 min
